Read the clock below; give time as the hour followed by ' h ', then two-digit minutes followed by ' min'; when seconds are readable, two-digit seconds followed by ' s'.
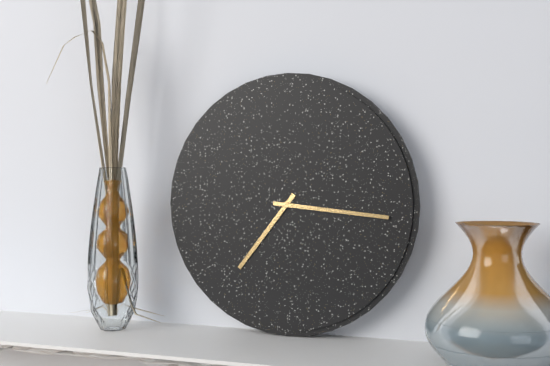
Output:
7 h 16 min
